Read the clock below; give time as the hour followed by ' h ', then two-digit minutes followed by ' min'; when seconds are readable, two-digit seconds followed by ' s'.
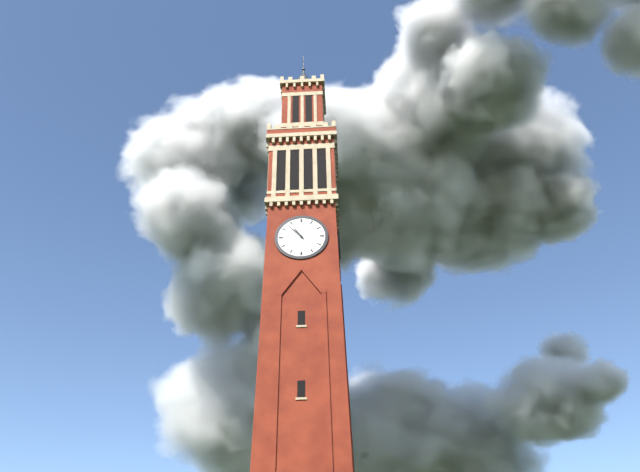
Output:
10 h 53 min
